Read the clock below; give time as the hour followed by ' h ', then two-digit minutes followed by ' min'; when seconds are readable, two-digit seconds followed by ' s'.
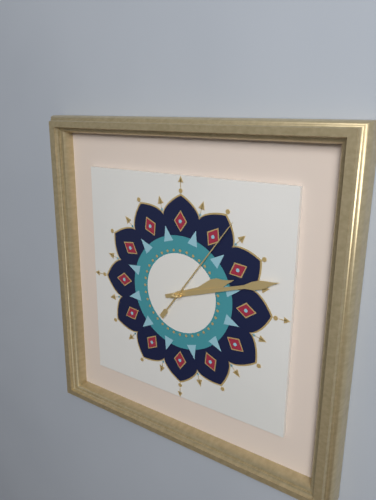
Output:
2 h 12 min 06 s
